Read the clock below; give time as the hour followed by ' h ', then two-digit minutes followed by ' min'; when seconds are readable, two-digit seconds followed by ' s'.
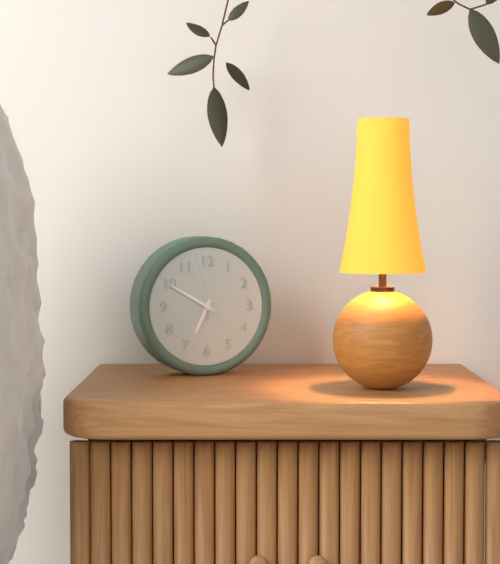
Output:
6 h 50 min 57 s
